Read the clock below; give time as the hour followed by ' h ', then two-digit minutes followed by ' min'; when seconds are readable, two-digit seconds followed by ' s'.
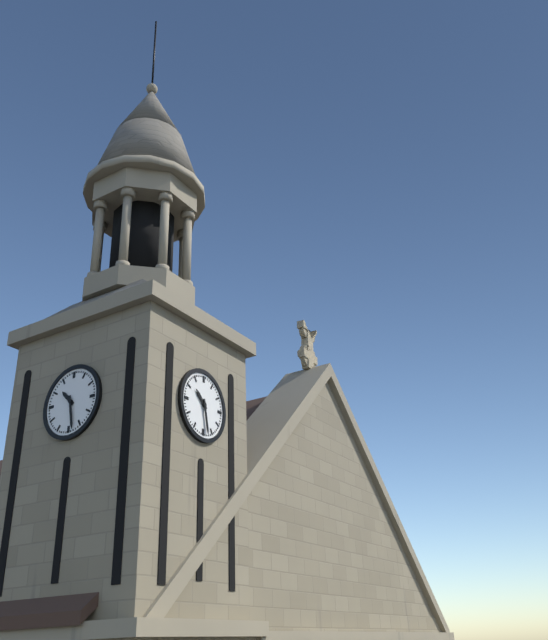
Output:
10 h 28 min
